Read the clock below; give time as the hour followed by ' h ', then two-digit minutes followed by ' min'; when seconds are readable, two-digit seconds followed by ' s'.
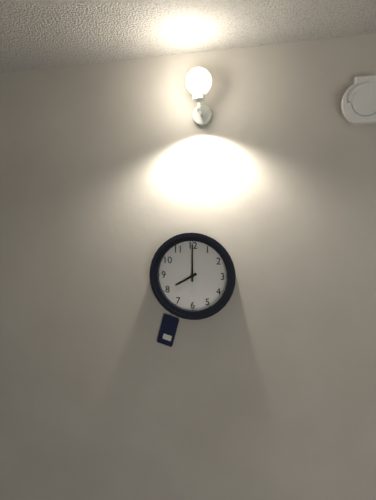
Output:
8 h 00 min
